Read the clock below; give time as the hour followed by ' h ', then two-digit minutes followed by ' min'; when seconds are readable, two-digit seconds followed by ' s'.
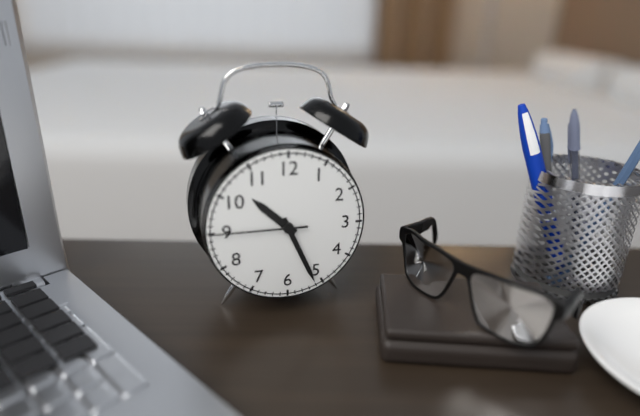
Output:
10 h 26 min 45 s
